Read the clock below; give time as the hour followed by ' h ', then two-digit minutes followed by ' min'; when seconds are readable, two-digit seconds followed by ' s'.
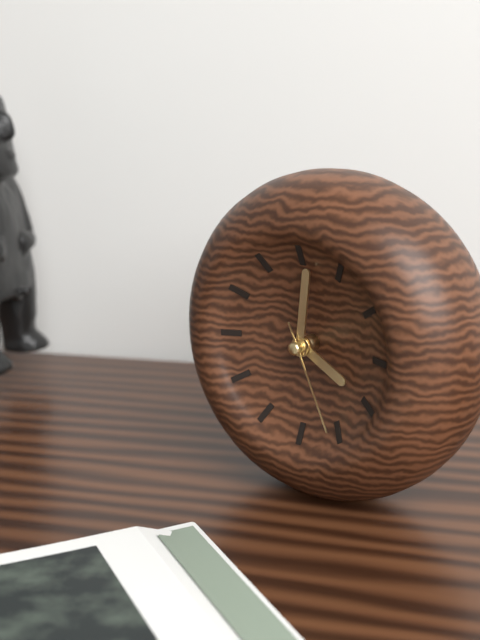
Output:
4 h 01 min 26 s
